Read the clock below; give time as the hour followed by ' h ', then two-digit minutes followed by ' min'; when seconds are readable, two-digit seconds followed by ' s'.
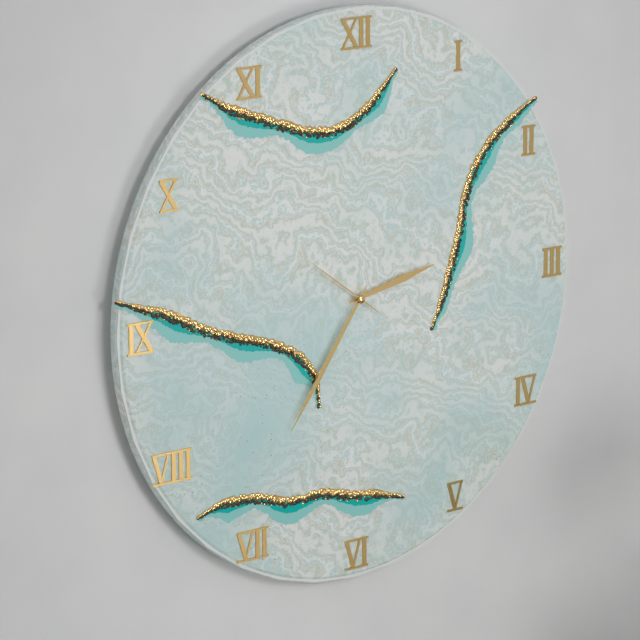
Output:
2 h 36 min 51 s
